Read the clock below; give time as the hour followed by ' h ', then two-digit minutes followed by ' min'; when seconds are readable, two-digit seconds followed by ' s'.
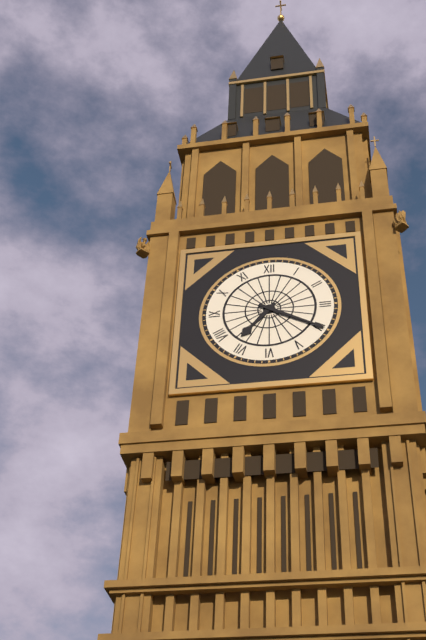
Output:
7 h 20 min
